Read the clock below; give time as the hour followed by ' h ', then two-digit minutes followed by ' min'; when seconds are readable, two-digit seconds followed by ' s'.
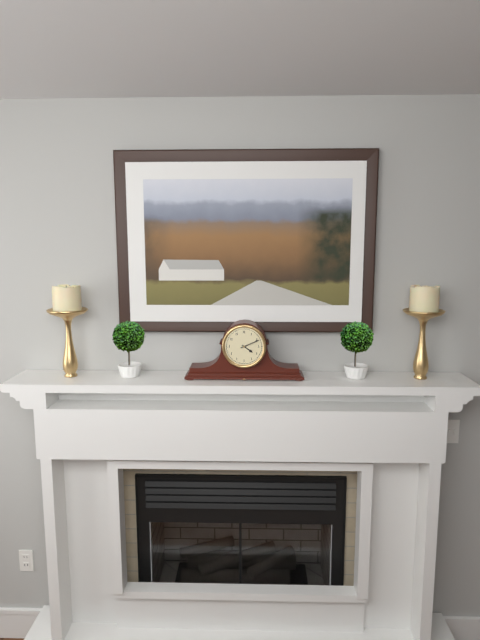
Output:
4 h 11 min
